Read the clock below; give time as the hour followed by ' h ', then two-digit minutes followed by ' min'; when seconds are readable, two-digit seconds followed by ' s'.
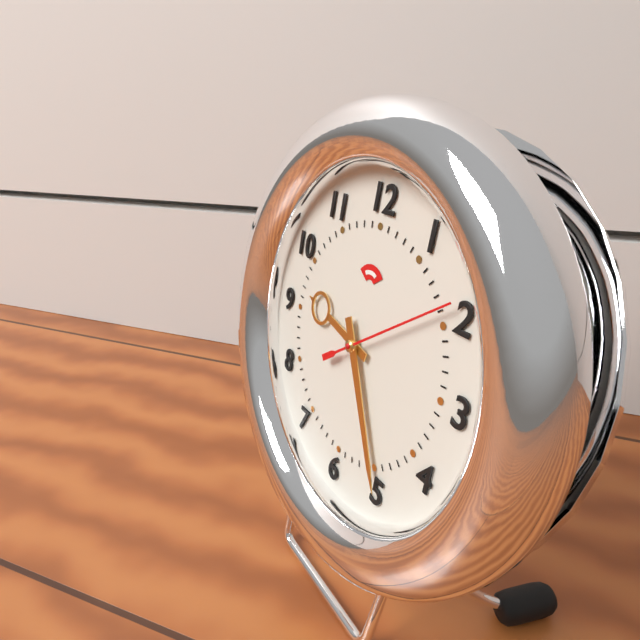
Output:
9 h 25 min 09 s
